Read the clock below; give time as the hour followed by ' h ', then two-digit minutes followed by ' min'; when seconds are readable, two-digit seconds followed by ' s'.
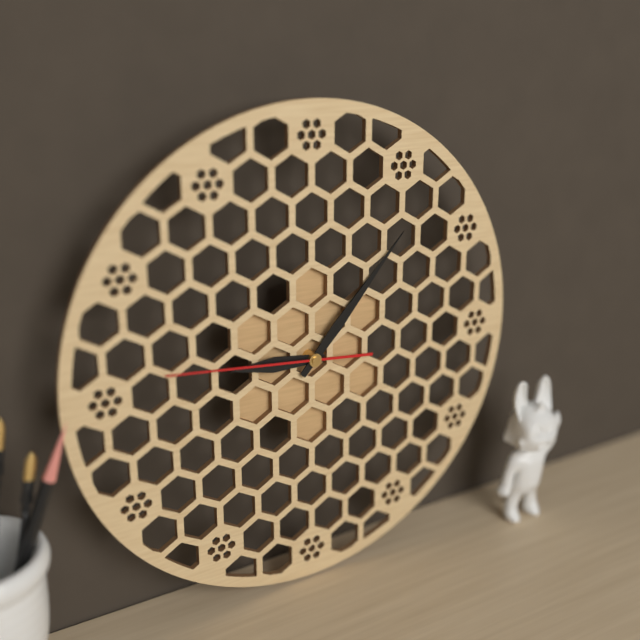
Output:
9 h 07 min 46 s
